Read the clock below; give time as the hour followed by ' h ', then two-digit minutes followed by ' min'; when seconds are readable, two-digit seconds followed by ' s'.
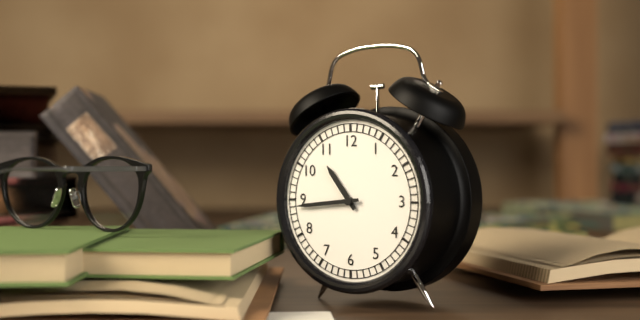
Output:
10 h 44 min
